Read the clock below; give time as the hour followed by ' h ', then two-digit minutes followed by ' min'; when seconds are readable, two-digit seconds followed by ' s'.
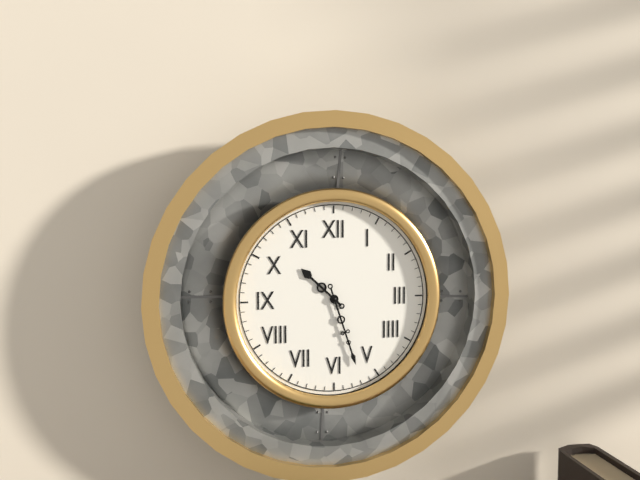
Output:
10 h 27 min
